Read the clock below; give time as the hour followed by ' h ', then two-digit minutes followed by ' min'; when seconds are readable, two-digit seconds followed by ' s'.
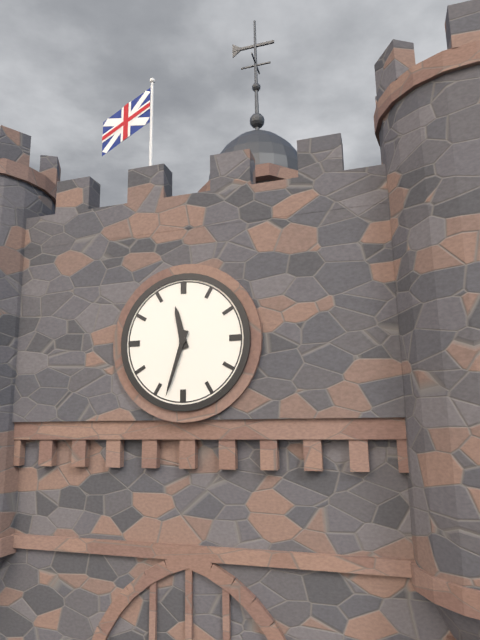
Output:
11 h 33 min
